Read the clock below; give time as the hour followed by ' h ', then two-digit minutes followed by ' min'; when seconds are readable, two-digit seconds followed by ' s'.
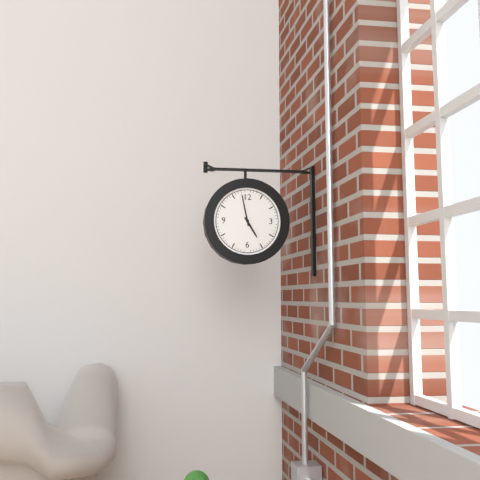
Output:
4 h 58 min
